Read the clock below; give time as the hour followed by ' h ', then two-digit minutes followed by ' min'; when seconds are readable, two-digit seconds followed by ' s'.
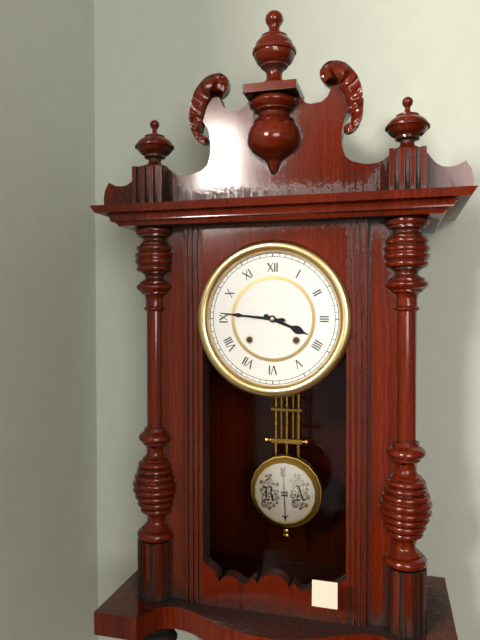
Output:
3 h 46 min
